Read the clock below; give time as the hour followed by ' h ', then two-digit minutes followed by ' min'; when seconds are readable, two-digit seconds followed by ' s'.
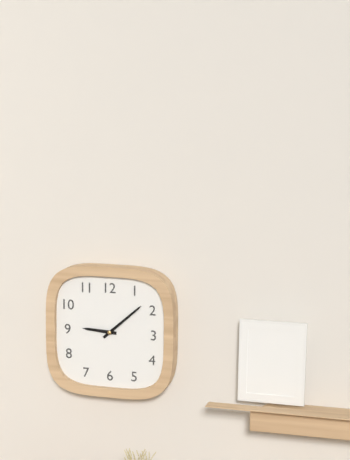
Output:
9 h 08 min
